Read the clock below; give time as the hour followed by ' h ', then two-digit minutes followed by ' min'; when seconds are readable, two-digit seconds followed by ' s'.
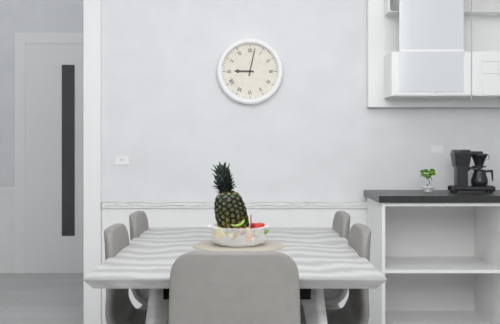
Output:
9 h 02 min
